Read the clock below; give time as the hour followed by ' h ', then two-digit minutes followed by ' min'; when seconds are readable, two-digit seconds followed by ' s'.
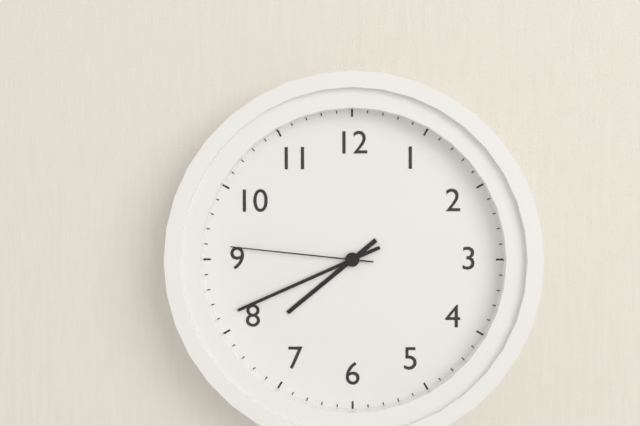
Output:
7 h 41 min 46 s
